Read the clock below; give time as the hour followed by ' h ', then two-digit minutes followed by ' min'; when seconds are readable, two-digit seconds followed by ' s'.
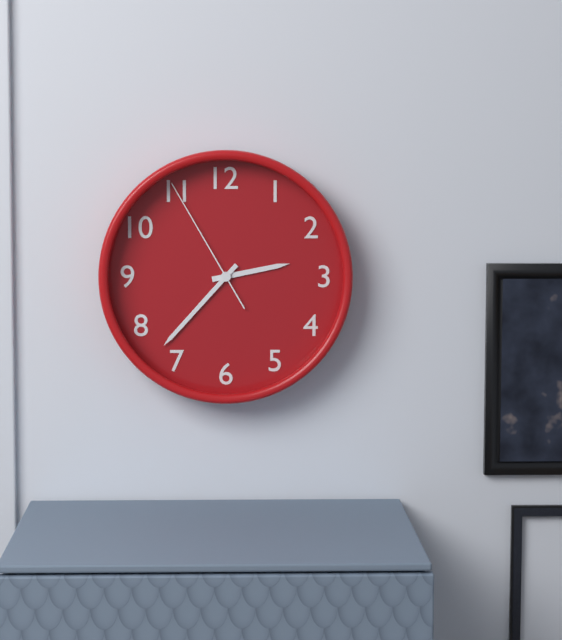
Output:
2 h 37 min 55 s
